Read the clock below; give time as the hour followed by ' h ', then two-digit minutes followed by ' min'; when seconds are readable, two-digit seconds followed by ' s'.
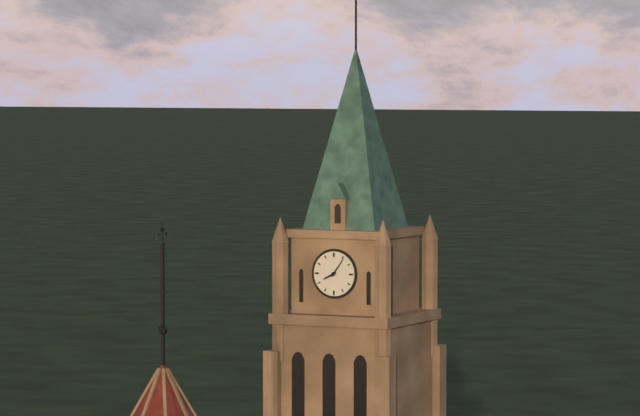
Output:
8 h 06 min
